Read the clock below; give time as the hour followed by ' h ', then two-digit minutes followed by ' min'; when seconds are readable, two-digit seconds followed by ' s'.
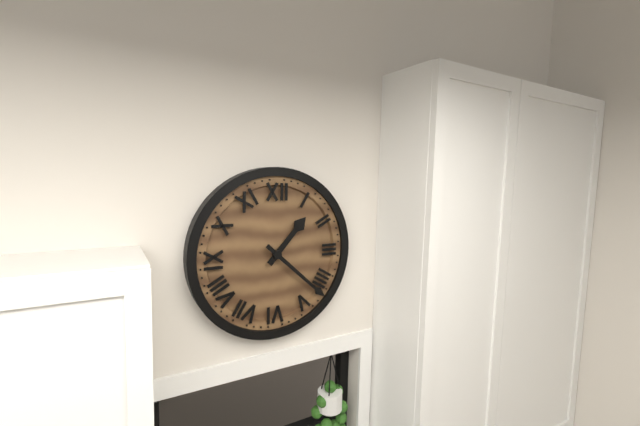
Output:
1 h 22 min
